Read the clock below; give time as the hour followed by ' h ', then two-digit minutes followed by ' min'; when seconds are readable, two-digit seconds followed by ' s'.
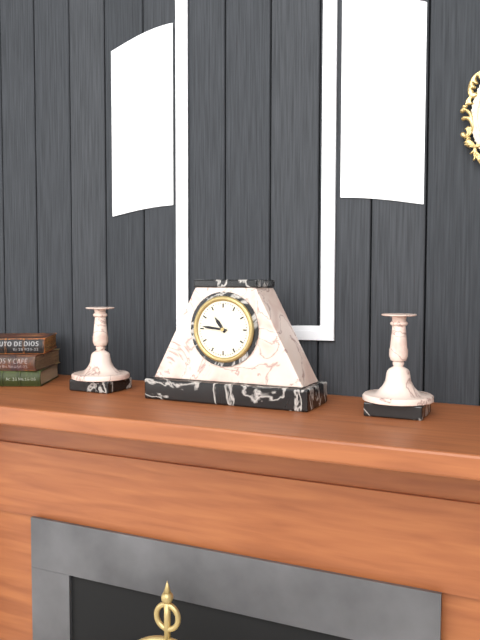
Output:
10 h 46 min
